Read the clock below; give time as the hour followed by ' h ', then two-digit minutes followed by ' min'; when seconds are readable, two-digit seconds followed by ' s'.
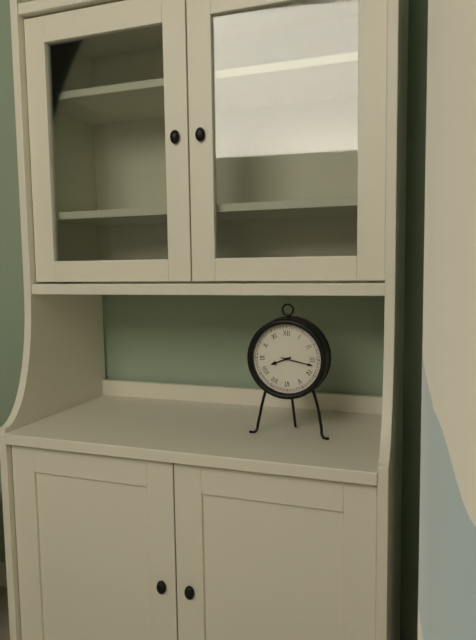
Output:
8 h 17 min
